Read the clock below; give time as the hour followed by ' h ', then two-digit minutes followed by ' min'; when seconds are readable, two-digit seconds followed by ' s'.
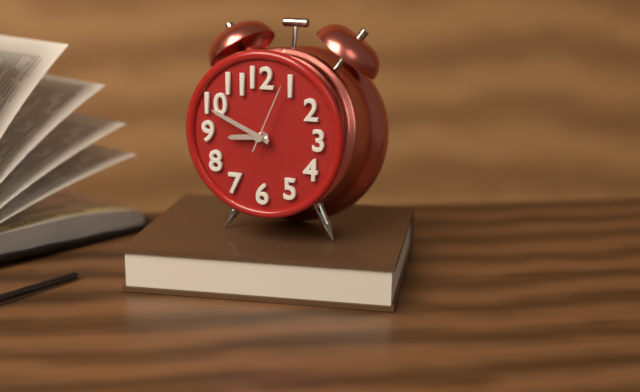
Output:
8 h 49 min 04 s
